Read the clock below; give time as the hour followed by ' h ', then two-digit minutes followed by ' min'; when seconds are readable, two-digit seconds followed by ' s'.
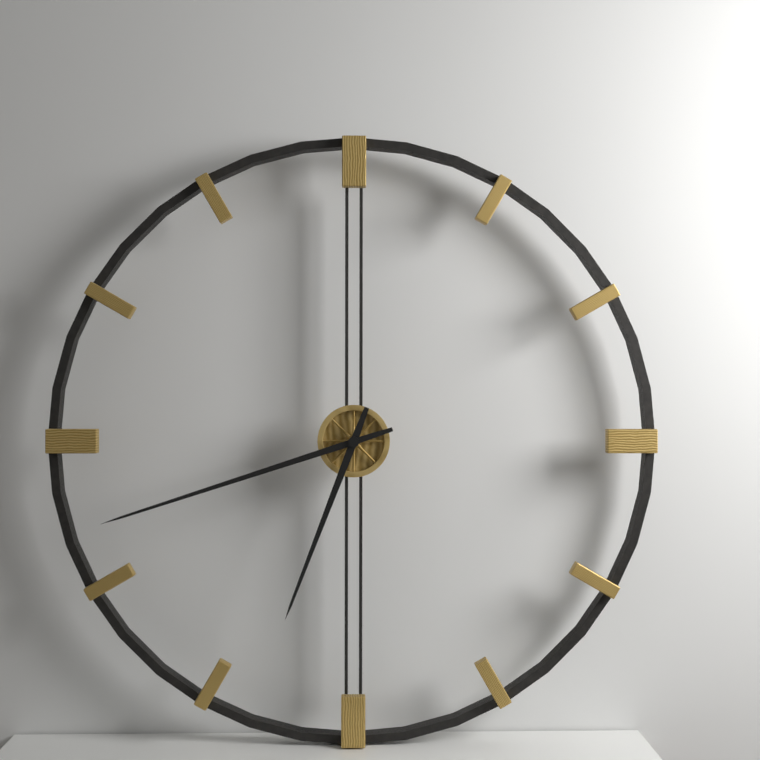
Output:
6 h 42 min
